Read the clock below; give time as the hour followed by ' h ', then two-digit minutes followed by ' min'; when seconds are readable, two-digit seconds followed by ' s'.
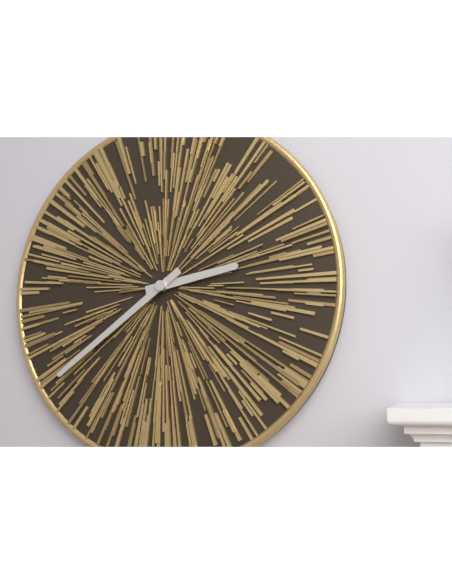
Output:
2 h 39 min
